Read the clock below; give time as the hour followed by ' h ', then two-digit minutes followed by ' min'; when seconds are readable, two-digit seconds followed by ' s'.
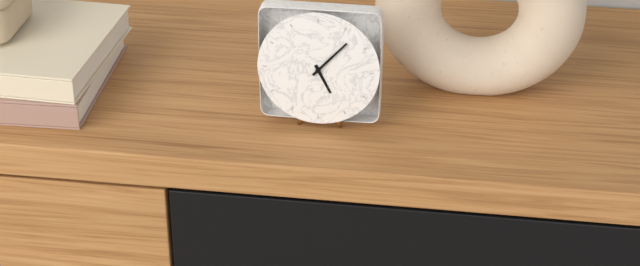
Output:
5 h 07 min
